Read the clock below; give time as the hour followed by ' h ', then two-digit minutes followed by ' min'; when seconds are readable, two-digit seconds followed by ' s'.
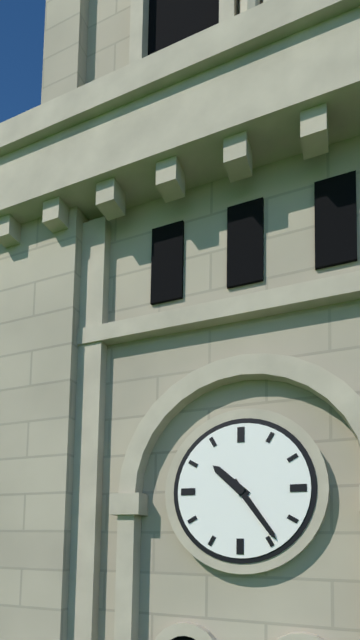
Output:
10 h 24 min
